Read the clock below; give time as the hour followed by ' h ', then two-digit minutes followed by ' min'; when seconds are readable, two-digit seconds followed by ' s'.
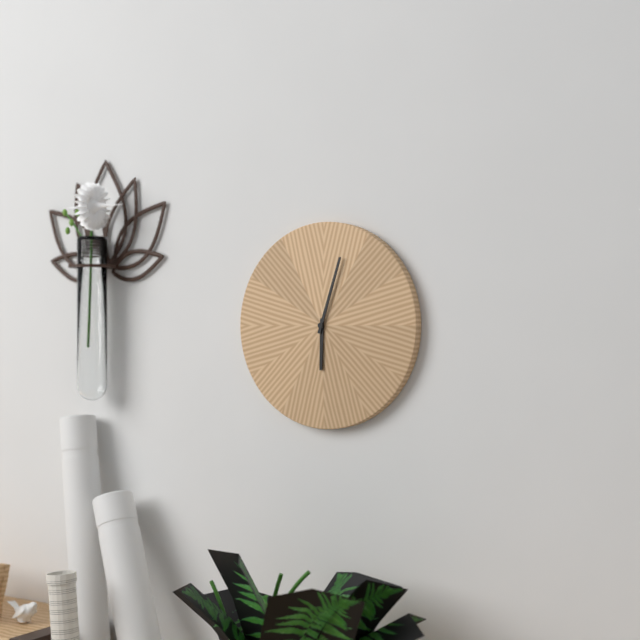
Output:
6 h 03 min
